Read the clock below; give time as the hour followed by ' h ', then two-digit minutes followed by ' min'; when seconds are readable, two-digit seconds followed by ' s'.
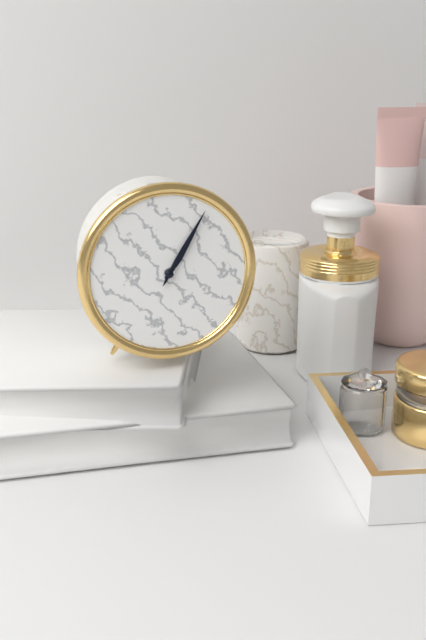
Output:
1 h 05 min
